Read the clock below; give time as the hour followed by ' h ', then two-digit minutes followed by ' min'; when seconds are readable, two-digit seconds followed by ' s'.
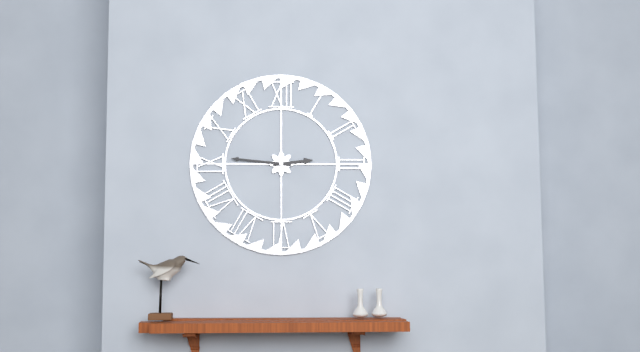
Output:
2 h 46 min
